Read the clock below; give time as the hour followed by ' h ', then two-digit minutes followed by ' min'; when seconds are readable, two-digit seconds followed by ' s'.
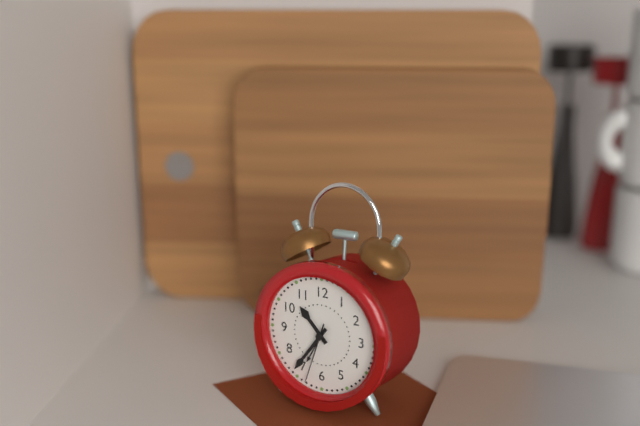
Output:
10 h 36 min 33 s
